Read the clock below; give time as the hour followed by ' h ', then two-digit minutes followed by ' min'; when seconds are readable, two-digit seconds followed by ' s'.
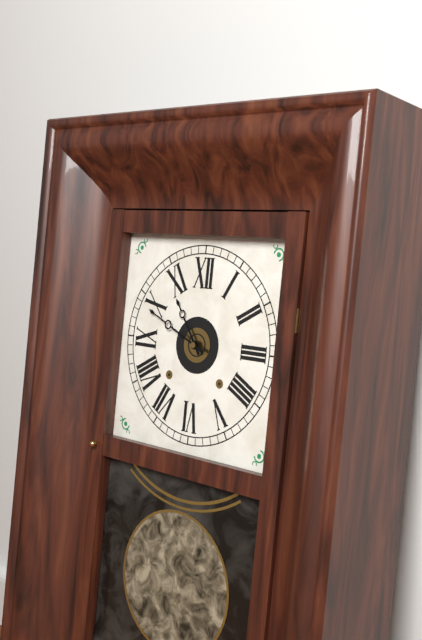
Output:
10 h 49 min
